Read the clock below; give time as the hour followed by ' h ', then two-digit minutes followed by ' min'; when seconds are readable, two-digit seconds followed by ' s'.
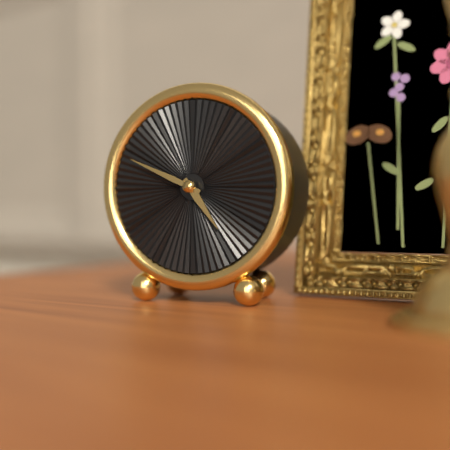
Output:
4 h 49 min
